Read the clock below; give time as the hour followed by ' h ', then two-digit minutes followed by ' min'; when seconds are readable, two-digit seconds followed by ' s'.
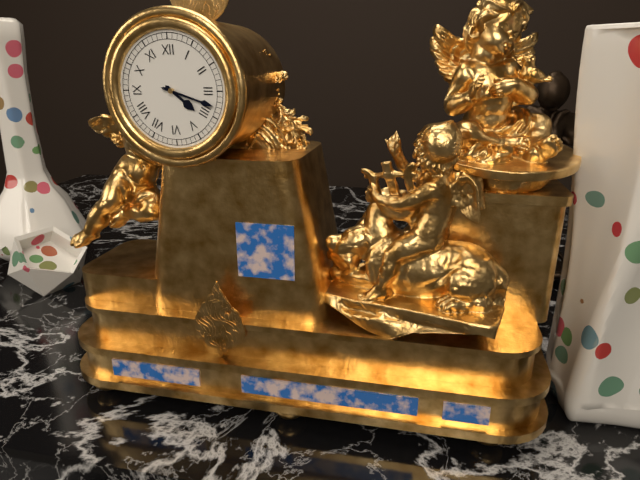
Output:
4 h 18 min
